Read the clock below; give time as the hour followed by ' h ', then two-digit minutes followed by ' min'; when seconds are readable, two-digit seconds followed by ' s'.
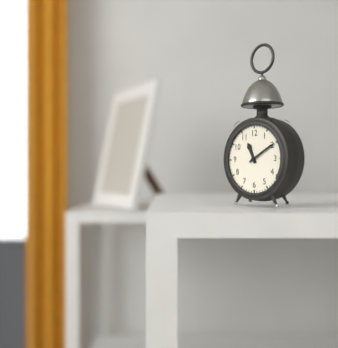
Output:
11 h 10 min
